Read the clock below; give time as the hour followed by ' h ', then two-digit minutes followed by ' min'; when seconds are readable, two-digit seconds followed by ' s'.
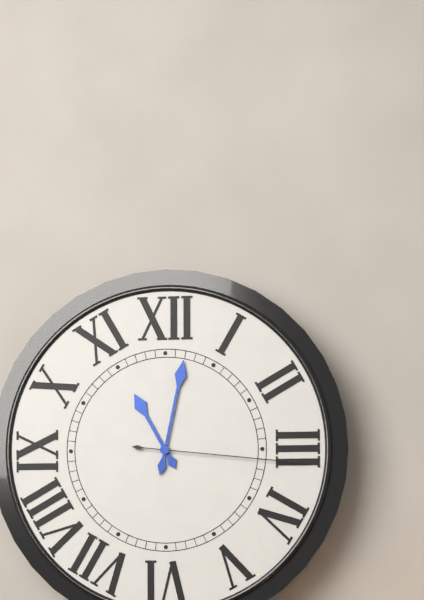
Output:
11 h 02 min 16 s
